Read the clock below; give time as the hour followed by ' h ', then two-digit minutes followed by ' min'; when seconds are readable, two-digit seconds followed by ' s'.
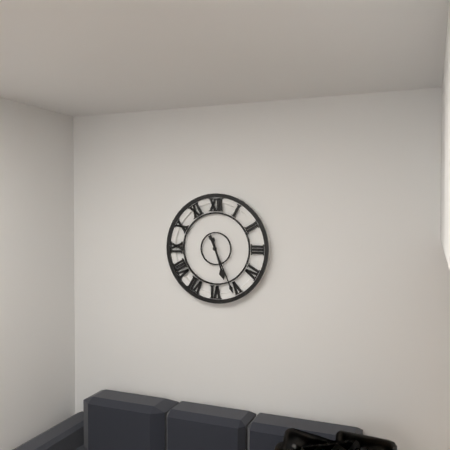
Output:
5 h 26 min
